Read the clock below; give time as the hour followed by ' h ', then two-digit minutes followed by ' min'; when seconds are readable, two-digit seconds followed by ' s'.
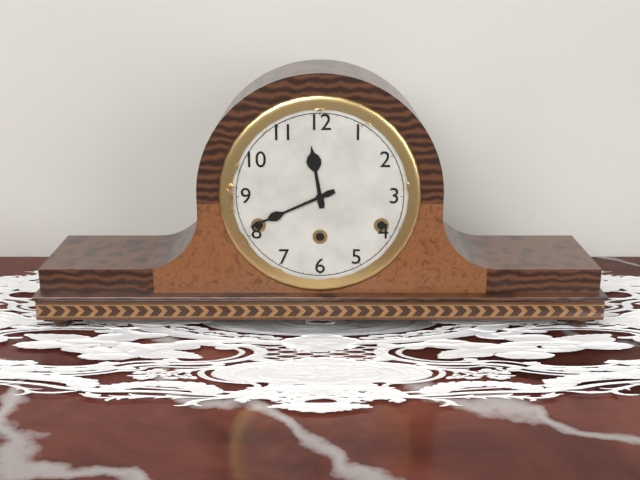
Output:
11 h 41 min
